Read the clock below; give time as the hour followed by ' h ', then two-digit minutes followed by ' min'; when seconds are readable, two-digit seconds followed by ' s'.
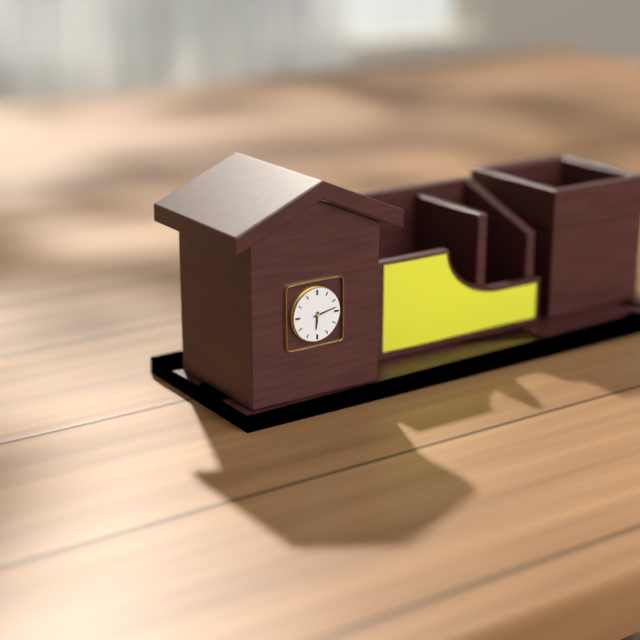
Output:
6 h 13 min
